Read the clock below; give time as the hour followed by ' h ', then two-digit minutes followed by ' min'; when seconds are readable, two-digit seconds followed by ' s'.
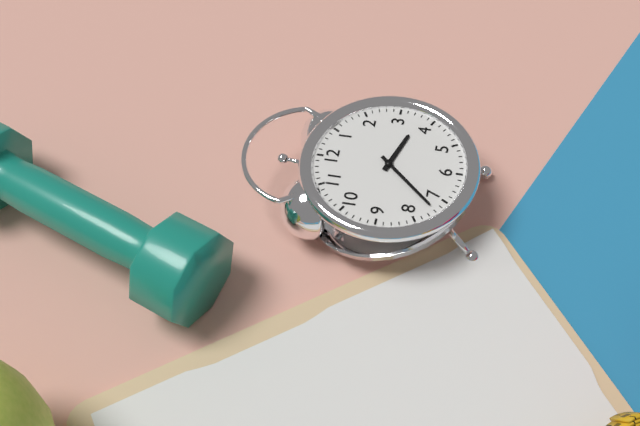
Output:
3 h 37 min
